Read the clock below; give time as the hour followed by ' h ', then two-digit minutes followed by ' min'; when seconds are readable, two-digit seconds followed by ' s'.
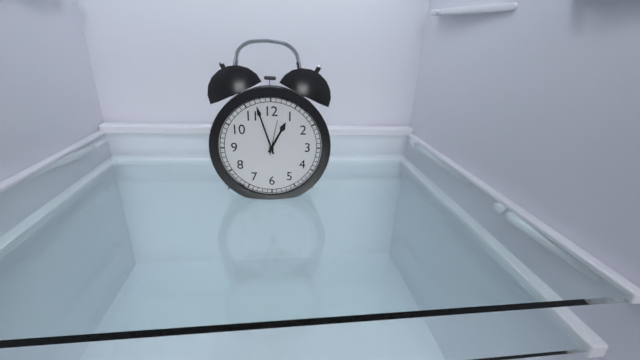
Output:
12 h 57 min
